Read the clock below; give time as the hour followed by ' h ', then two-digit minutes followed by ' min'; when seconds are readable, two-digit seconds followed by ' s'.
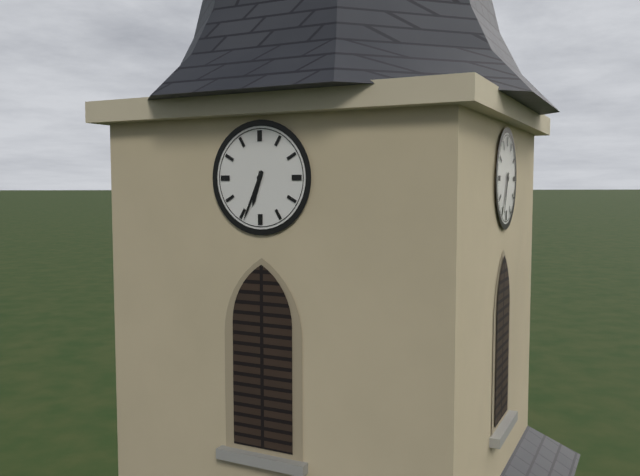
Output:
6 h 34 min
